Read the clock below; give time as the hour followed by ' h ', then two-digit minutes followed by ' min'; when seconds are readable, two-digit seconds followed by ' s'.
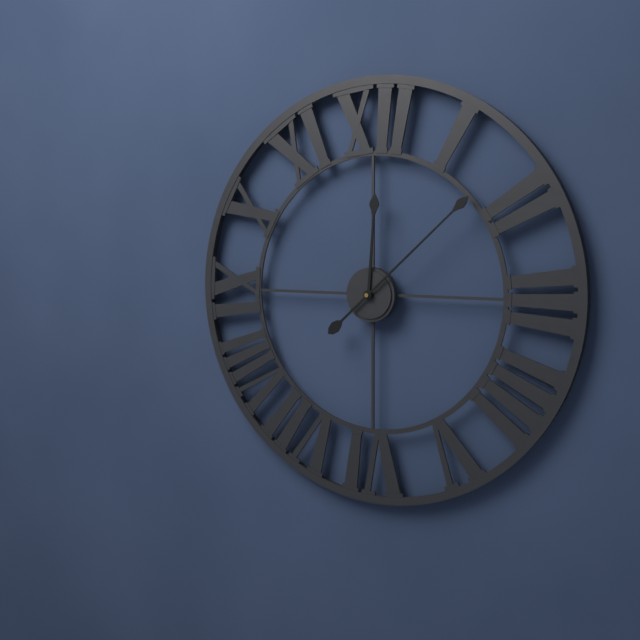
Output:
12 h 08 min
